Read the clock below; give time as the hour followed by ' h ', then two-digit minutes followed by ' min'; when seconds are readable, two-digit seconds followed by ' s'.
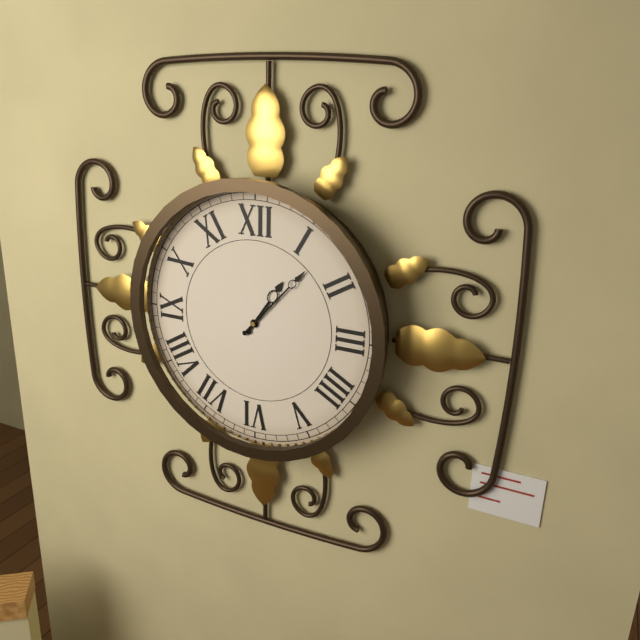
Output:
1 h 07 min
